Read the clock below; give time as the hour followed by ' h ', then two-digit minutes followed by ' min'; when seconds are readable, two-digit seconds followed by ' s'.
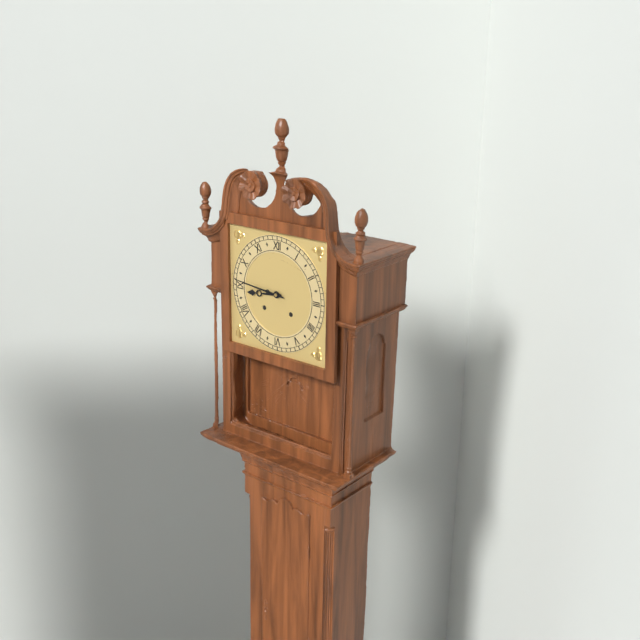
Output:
8 h 46 min
